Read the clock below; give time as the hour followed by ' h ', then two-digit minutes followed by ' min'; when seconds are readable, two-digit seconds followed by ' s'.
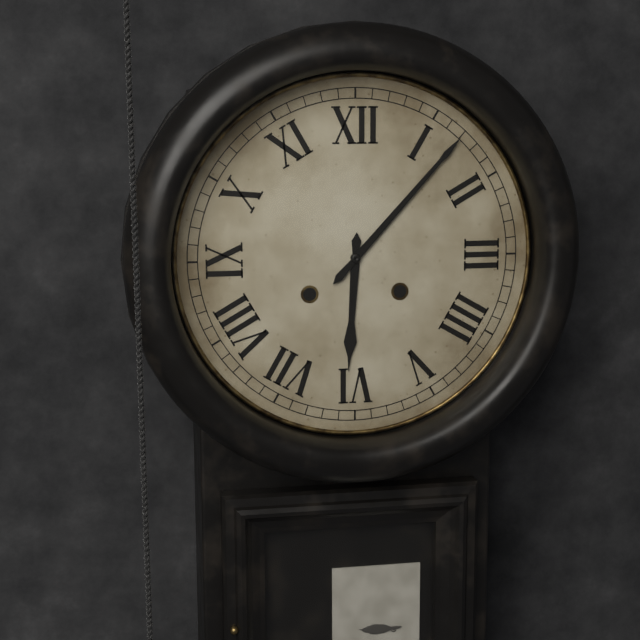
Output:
6 h 07 min
